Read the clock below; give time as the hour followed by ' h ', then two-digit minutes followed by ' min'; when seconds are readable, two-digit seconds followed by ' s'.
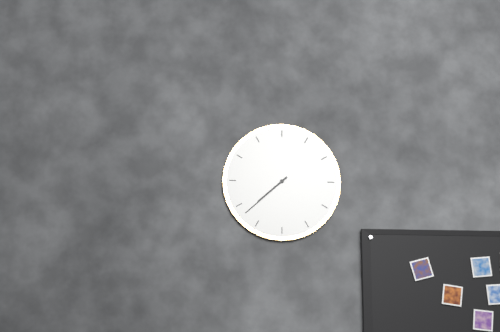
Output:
7 h 38 min
